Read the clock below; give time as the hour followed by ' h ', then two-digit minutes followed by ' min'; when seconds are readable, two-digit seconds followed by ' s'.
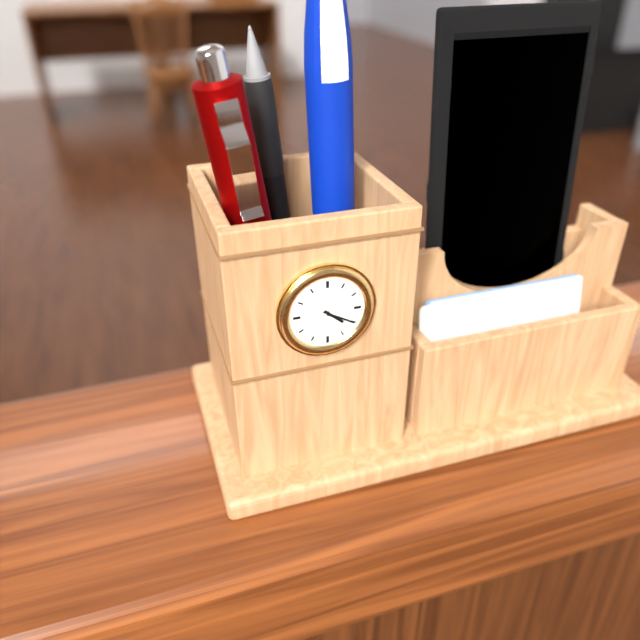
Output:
4 h 20 min
